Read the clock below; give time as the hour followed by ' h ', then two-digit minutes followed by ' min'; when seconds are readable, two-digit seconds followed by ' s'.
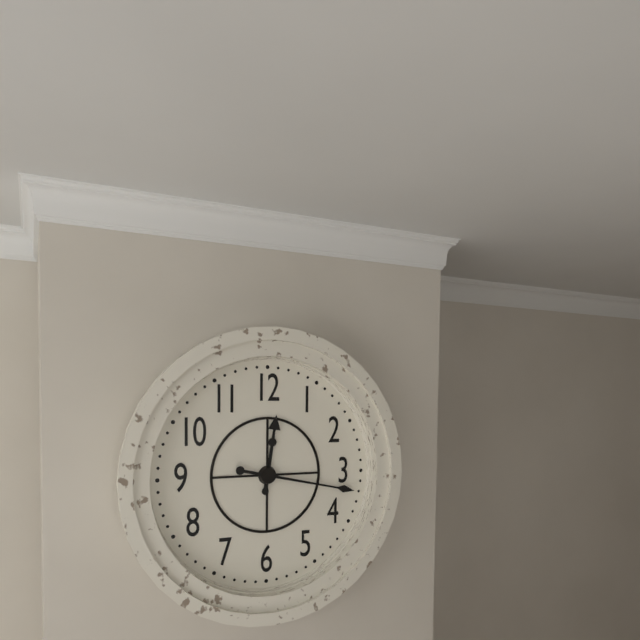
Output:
12 h 17 min
